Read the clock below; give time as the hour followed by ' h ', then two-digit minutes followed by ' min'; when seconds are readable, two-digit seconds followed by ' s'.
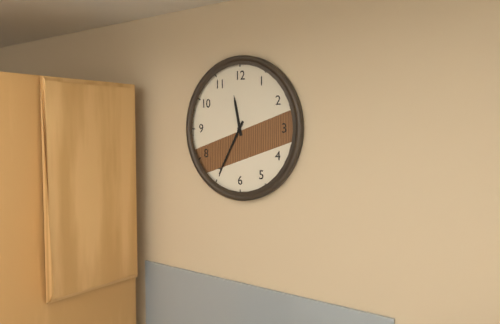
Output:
11 h 35 min
